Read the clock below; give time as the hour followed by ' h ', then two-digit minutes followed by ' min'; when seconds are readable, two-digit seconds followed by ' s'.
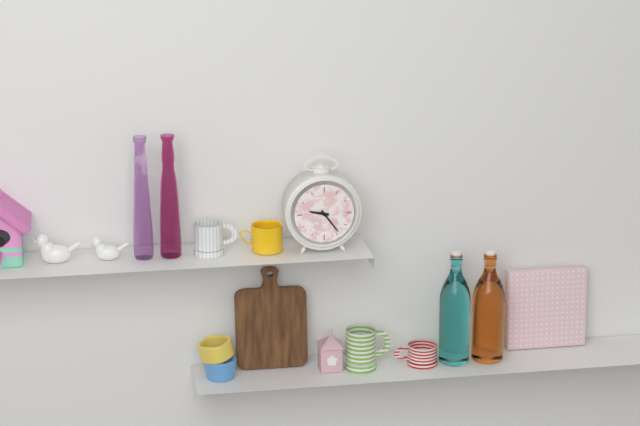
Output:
9 h 24 min
